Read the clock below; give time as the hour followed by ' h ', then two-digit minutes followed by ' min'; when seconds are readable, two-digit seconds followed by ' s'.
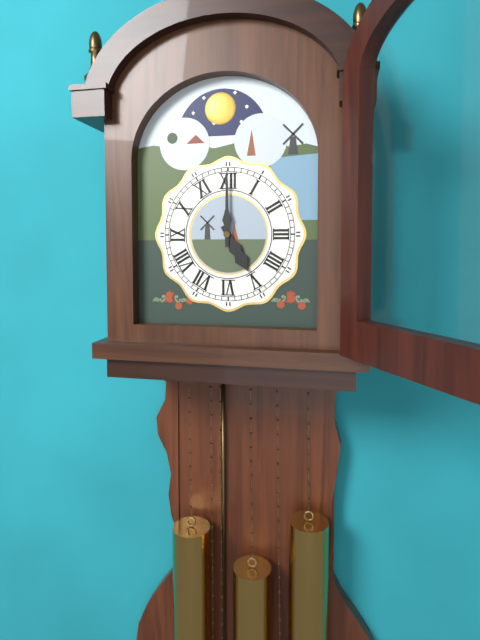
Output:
5 h 00 min
